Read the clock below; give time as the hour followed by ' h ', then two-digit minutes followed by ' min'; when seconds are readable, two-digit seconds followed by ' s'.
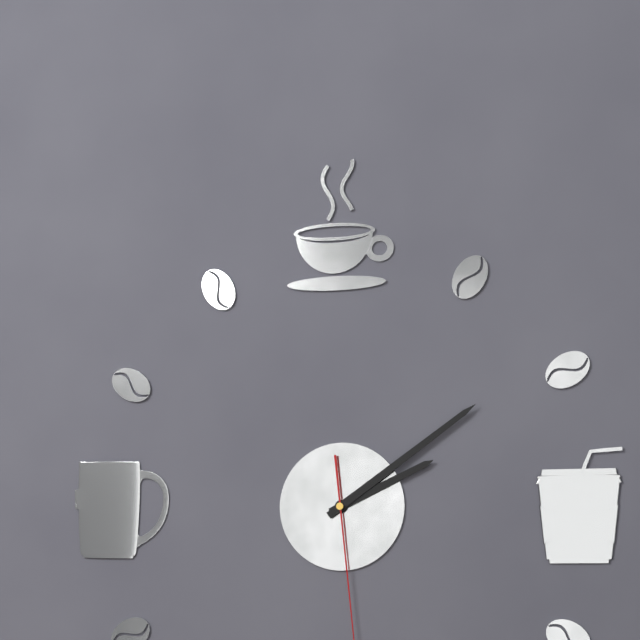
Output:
2 h 09 min
